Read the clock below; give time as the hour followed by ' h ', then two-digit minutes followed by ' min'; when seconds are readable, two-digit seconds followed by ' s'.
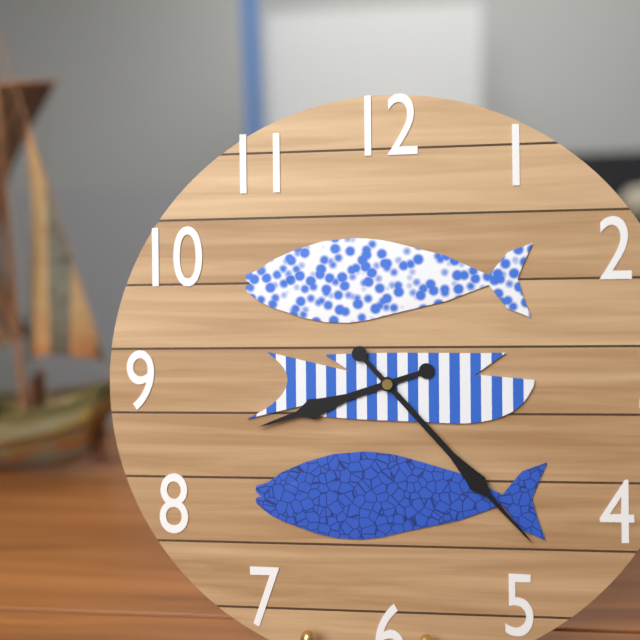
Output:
8 h 23 min
